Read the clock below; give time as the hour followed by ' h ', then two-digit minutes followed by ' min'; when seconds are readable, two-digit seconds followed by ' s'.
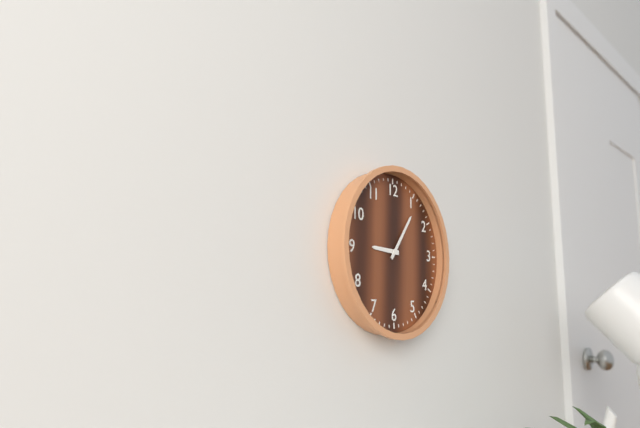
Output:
9 h 06 min
